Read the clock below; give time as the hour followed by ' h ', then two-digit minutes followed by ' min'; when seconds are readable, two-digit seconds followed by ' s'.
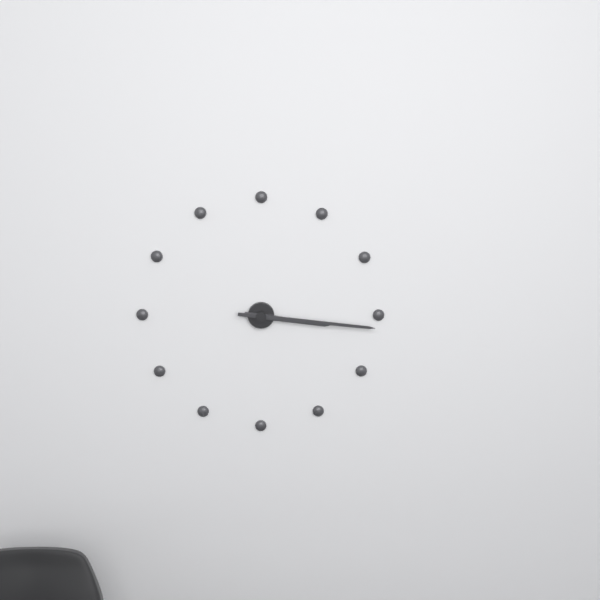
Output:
3 h 16 min
